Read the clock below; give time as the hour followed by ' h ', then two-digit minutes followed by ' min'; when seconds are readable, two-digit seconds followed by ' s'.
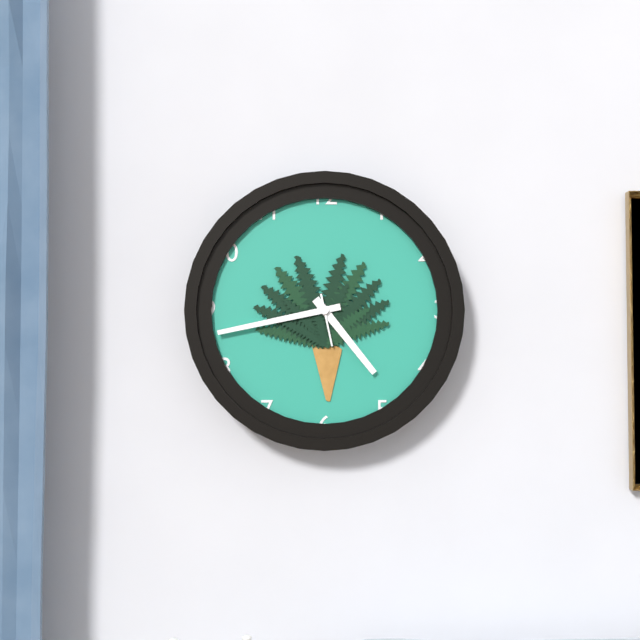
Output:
4 h 43 min
